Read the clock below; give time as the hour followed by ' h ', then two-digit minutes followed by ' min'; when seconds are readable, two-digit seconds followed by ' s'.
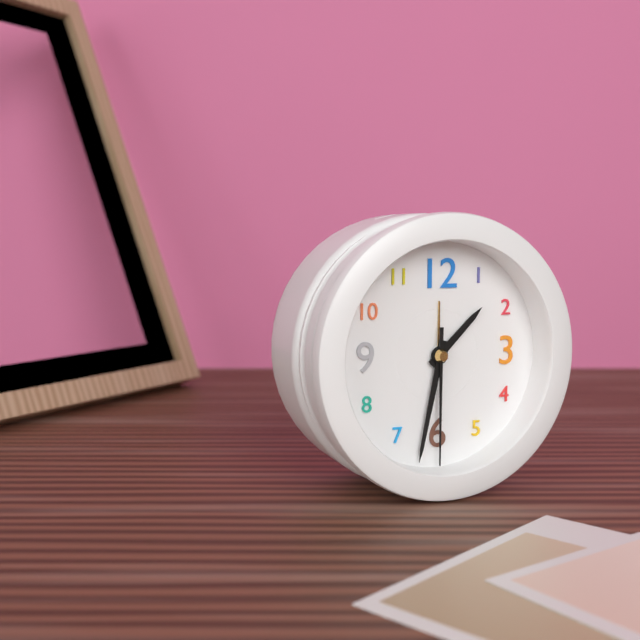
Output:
1 h 32 min 30 s
